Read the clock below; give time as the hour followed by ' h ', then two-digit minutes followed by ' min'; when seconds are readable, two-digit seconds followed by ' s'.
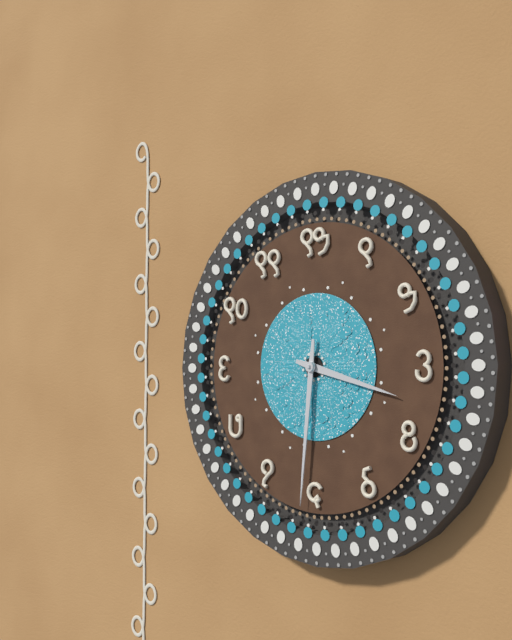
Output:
3 h 31 min
